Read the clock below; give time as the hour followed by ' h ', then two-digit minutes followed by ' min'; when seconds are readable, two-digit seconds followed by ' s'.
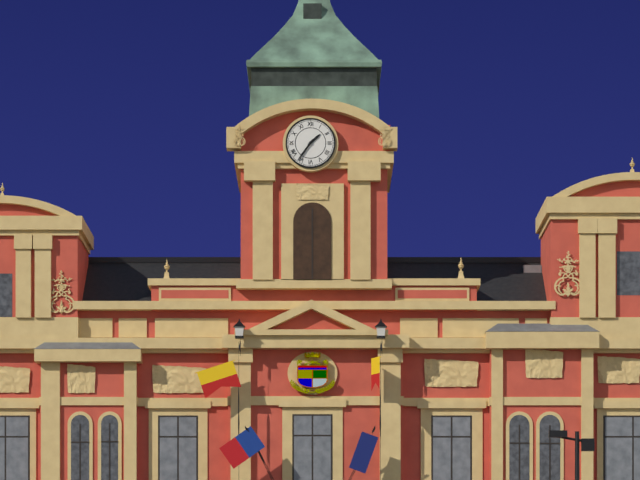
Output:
1 h 36 min
